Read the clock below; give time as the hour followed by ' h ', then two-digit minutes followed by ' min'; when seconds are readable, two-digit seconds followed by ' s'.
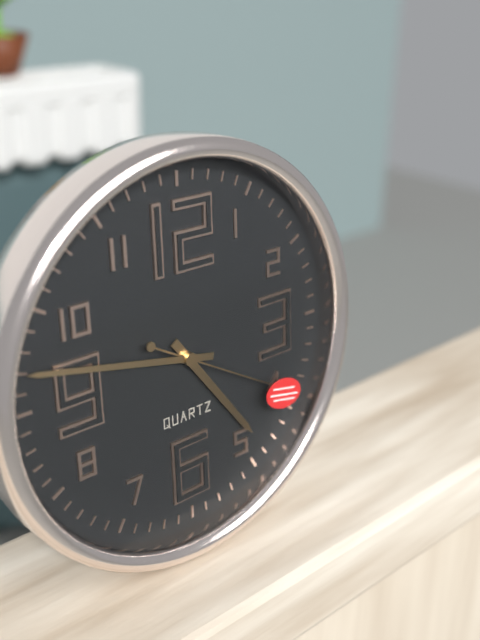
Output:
4 h 47 min 20 s
